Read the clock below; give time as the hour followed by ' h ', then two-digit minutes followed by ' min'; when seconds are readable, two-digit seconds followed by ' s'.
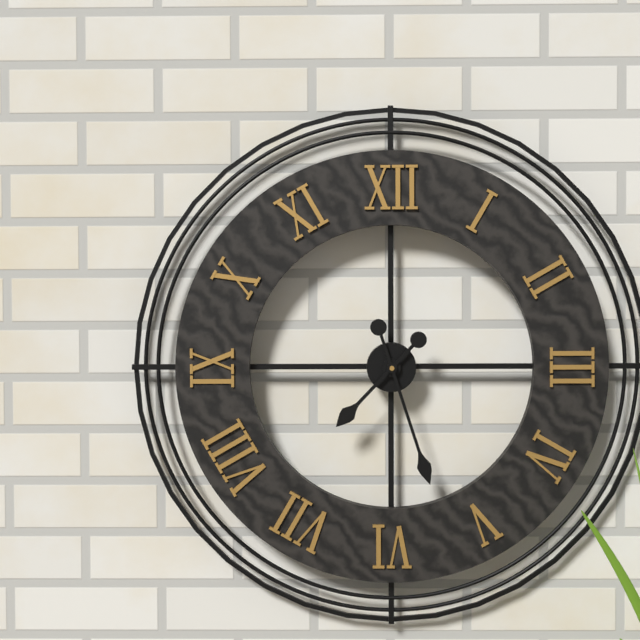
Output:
7 h 27 min
